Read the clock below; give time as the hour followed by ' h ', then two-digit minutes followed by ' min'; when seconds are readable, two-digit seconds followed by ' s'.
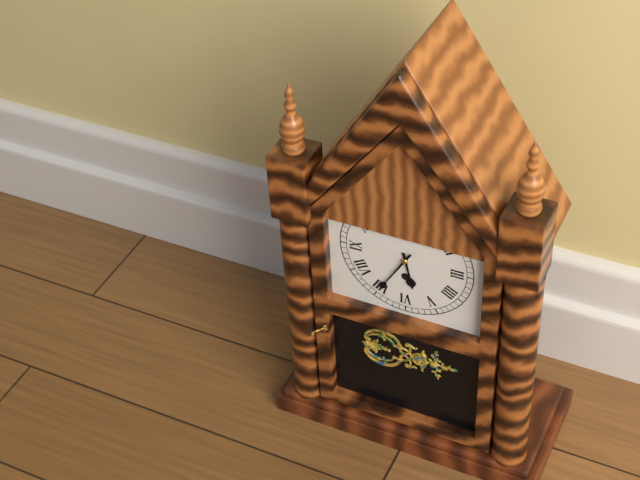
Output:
5 h 35 min
